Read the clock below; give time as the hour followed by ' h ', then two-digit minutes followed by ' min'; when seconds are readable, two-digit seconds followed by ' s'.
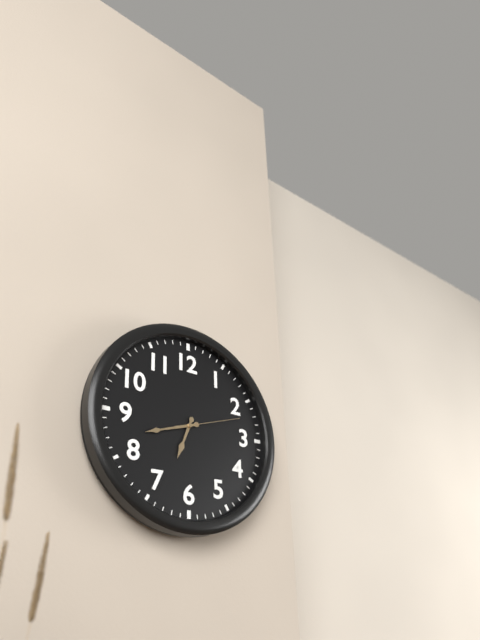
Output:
6 h 42 min 12 s
